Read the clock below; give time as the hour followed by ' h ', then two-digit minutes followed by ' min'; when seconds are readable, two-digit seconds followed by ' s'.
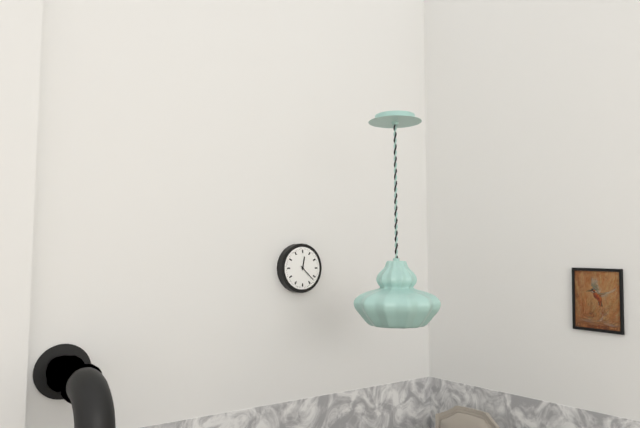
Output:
12 h 22 min
